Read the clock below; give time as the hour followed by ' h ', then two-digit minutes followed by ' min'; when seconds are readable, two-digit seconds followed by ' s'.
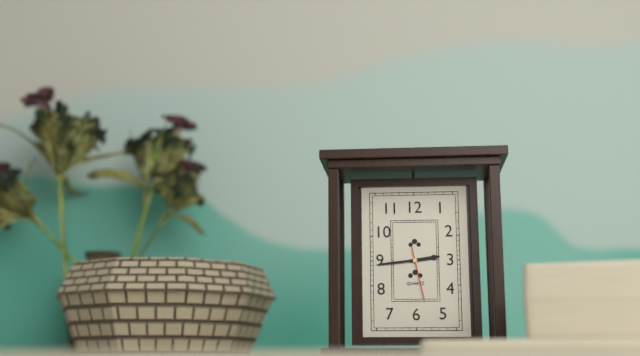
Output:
2 h 44 min 28 s
